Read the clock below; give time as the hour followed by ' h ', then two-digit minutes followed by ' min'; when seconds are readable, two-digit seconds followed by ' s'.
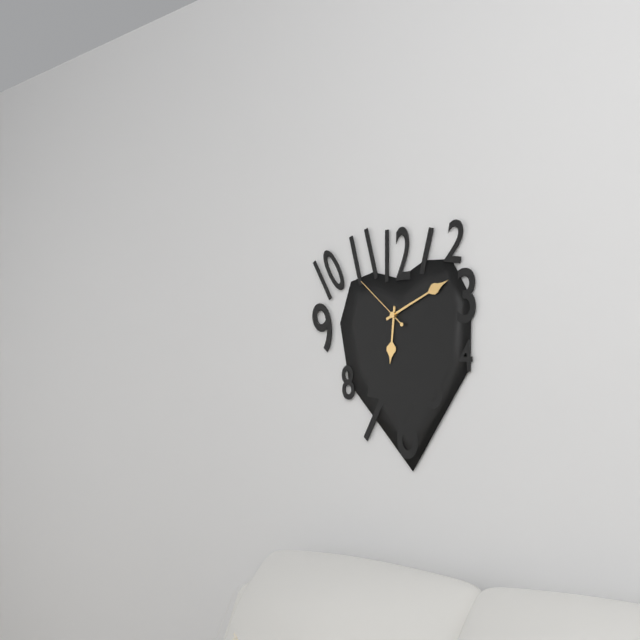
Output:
6 h 11 min 52 s
